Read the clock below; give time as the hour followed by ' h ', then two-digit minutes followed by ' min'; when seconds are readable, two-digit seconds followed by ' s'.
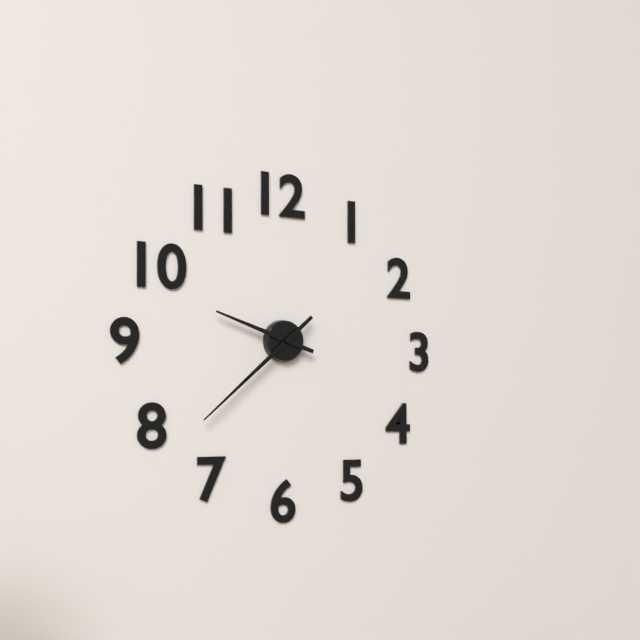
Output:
9 h 38 min
